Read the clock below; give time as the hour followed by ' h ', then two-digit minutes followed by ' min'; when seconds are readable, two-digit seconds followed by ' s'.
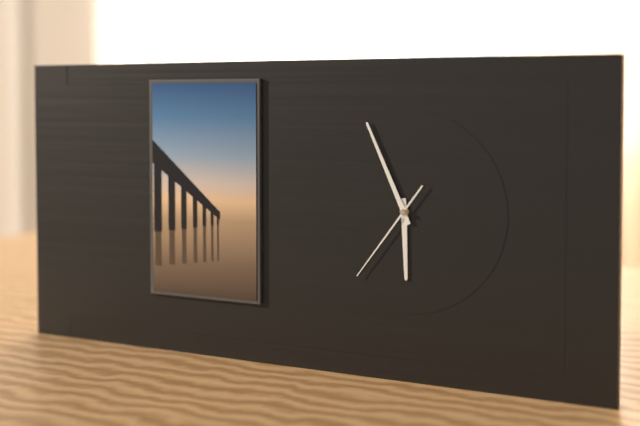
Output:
5 h 56 min 36 s
